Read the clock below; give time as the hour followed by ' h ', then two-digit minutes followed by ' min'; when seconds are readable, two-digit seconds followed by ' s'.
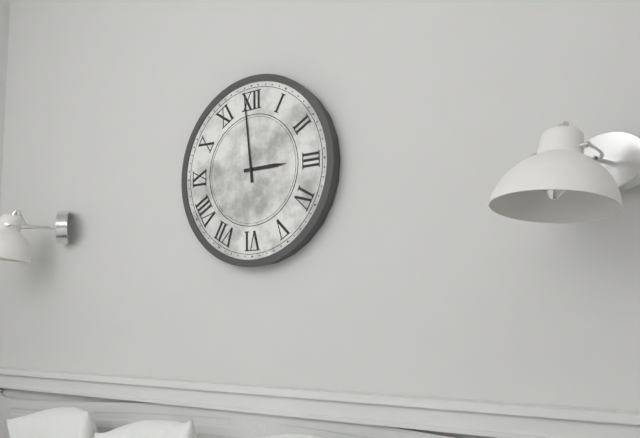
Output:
2 h 59 min
